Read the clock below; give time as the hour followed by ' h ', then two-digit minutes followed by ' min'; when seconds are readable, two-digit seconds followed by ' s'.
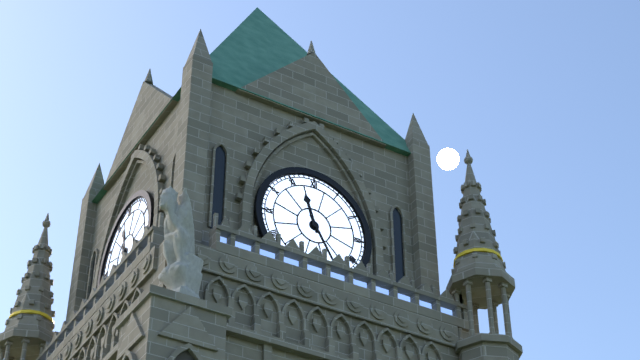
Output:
11 h 25 min
